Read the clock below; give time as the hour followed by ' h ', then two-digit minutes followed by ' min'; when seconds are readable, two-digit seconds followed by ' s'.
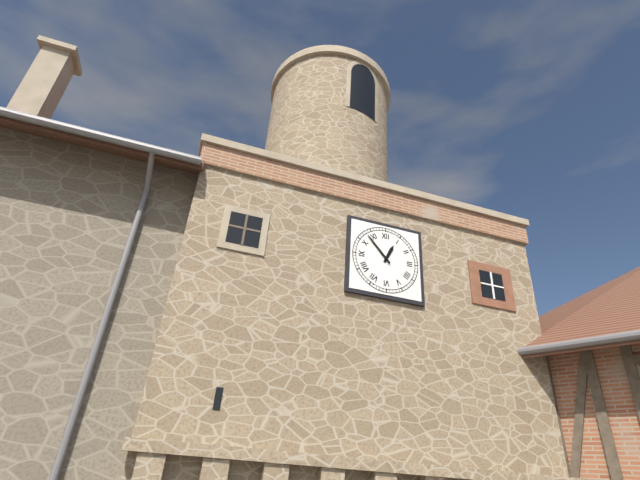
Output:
12 h 53 min
